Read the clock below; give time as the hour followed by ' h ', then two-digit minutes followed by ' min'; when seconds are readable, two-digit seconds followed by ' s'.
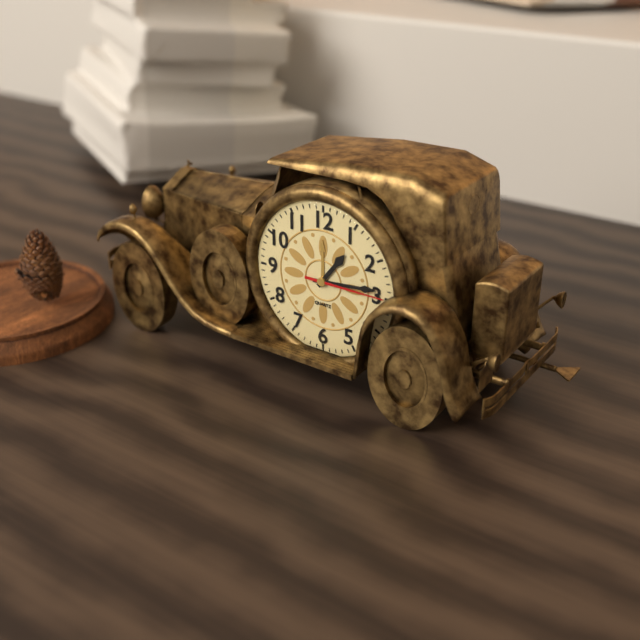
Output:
1 h 14 min 15 s
